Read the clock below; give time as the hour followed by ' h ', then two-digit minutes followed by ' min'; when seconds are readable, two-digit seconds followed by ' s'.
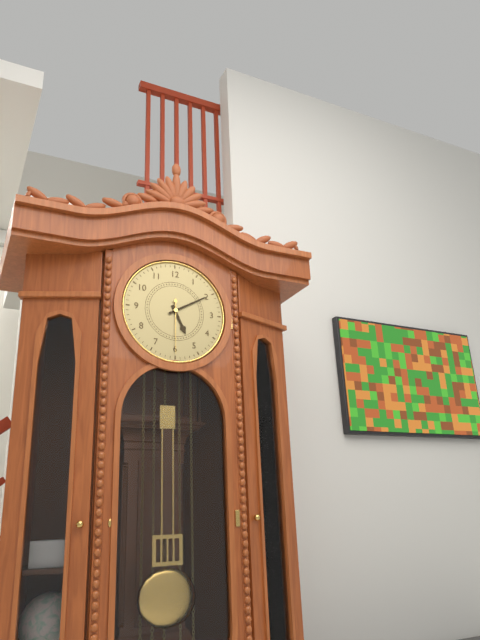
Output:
5 h 10 min
